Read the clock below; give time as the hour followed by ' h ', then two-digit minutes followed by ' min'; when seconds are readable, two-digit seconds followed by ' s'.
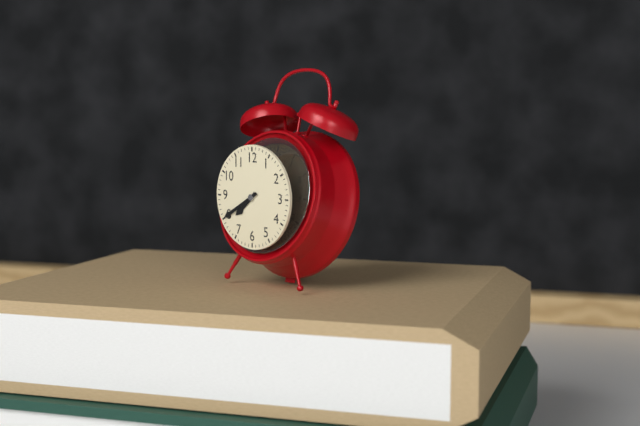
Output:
7 h 40 min
